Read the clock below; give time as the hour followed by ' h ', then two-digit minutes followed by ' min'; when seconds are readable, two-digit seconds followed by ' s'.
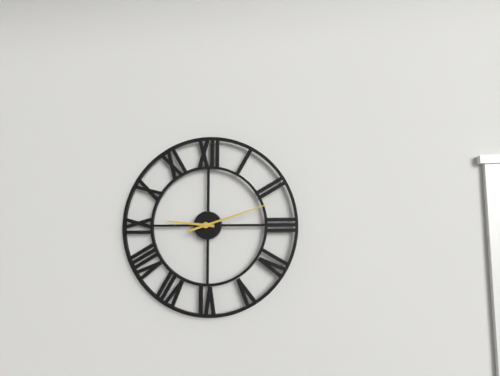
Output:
9 h 12 min
